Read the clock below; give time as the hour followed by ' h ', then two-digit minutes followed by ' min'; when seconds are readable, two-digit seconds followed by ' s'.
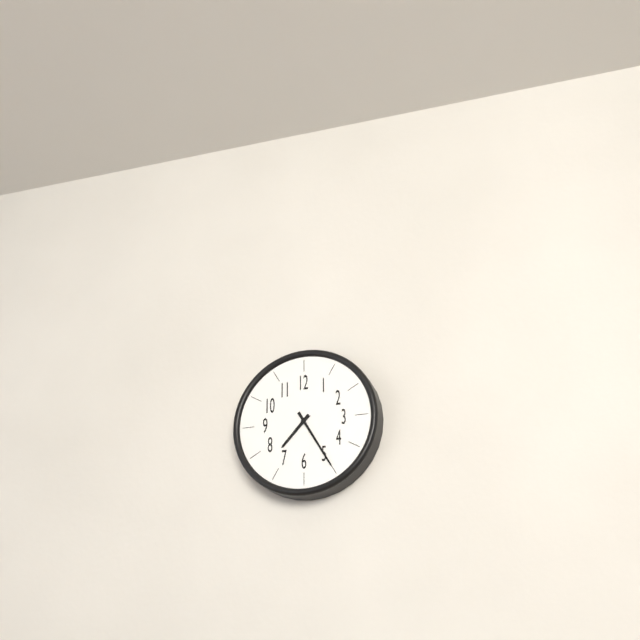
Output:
7 h 25 min
